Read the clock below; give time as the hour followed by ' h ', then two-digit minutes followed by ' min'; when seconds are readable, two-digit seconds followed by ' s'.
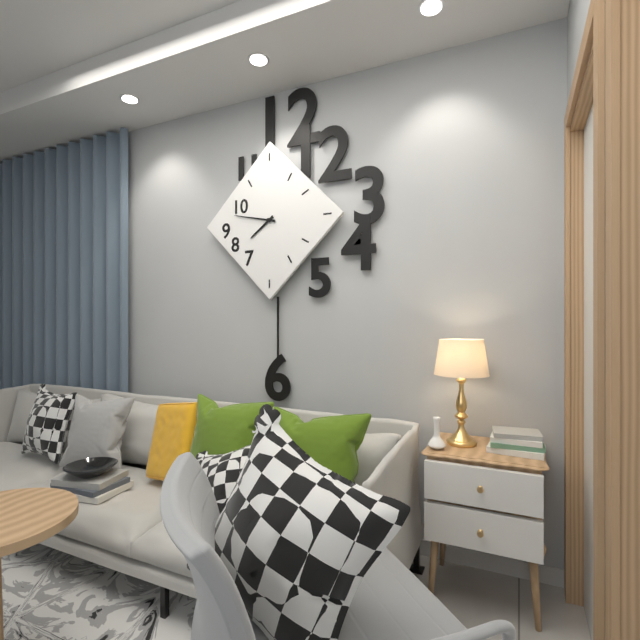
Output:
7 h 47 min
